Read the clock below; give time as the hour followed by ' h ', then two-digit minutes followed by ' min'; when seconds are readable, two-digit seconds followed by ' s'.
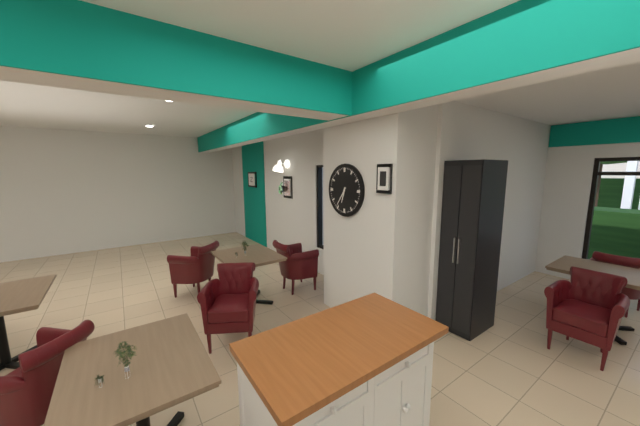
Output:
6 h 36 min
